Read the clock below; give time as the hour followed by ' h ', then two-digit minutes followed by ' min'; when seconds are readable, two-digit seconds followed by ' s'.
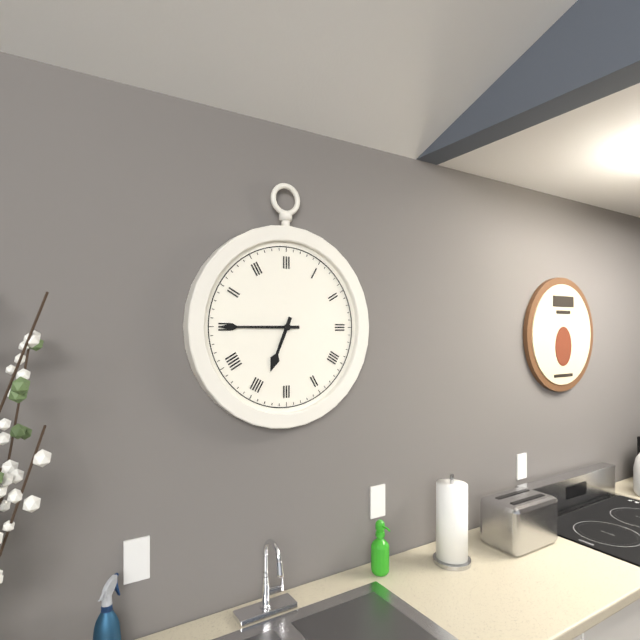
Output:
6 h 45 min
